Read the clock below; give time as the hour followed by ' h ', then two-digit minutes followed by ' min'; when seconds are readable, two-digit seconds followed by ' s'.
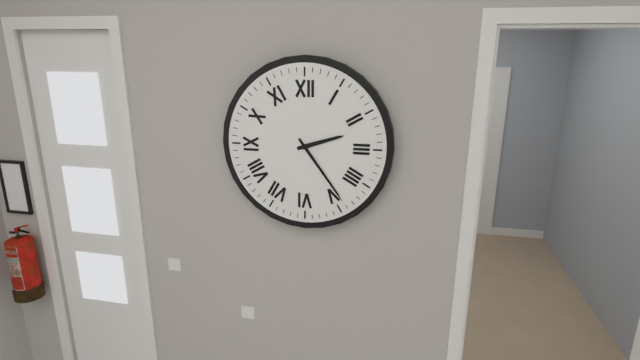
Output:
2 h 24 min
